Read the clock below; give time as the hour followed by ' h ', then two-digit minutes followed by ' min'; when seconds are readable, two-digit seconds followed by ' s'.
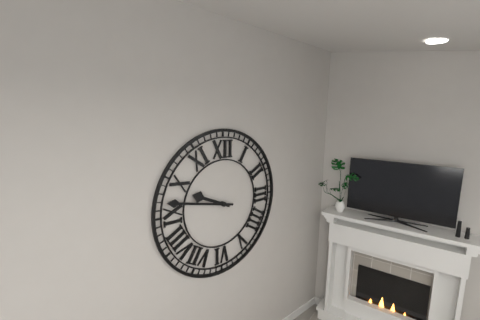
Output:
9 h 47 min
